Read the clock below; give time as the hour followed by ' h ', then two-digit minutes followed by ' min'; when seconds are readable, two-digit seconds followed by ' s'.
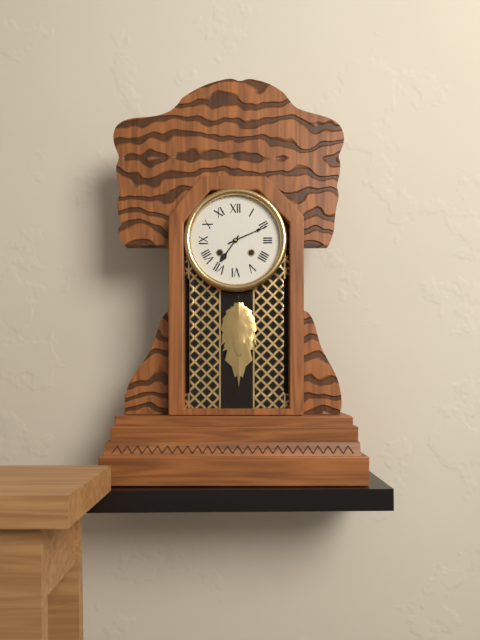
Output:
7 h 11 min
